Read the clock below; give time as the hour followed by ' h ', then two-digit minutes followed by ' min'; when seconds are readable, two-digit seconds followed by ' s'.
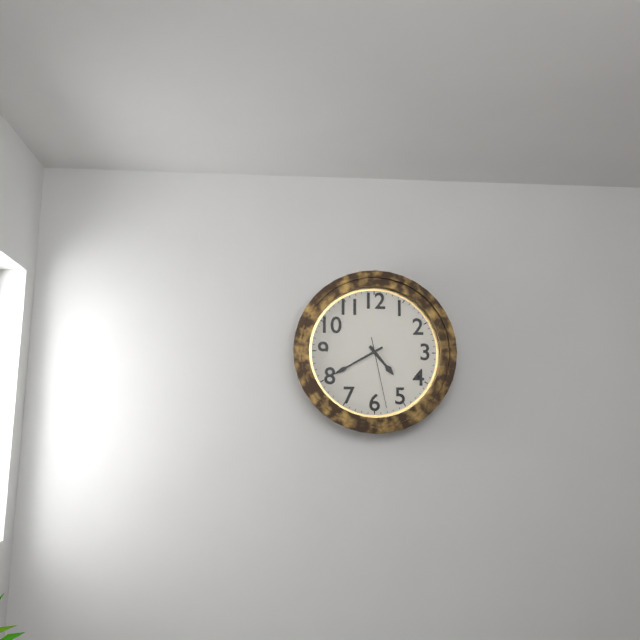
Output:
4 h 40 min 28 s
